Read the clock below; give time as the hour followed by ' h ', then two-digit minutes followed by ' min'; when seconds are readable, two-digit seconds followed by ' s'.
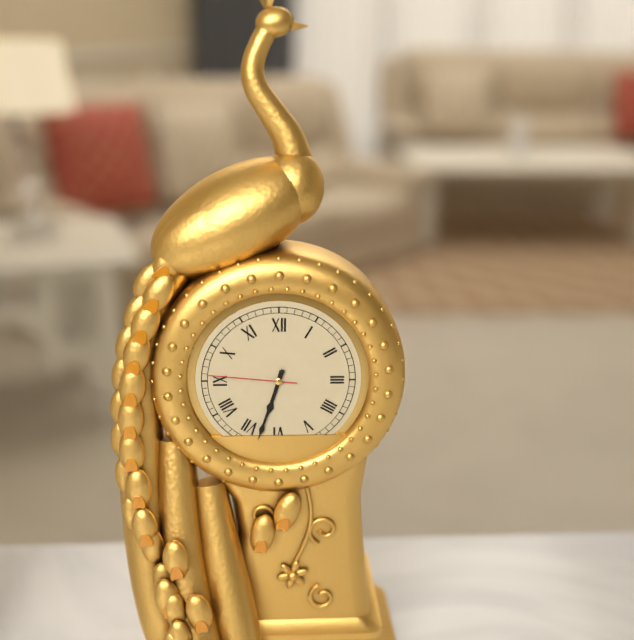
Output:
6 h 33 min 46 s
